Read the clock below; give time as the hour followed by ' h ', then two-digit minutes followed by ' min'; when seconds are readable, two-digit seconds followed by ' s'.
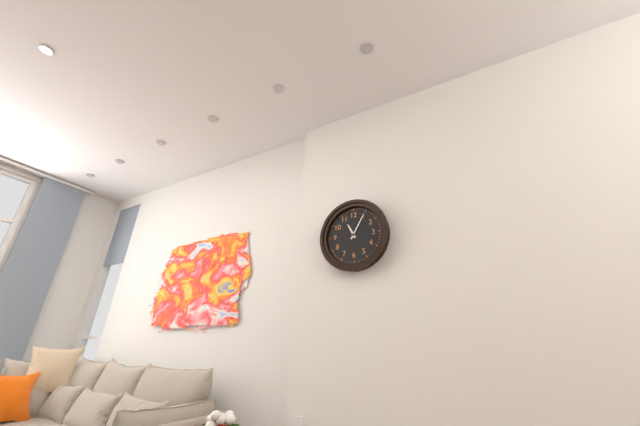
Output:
11 h 05 min
